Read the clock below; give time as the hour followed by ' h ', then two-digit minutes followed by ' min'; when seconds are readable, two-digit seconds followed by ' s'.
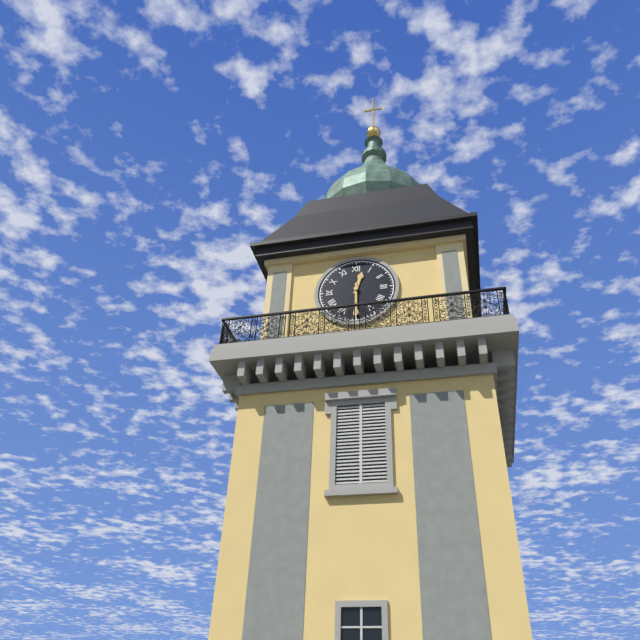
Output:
12 h 30 min
